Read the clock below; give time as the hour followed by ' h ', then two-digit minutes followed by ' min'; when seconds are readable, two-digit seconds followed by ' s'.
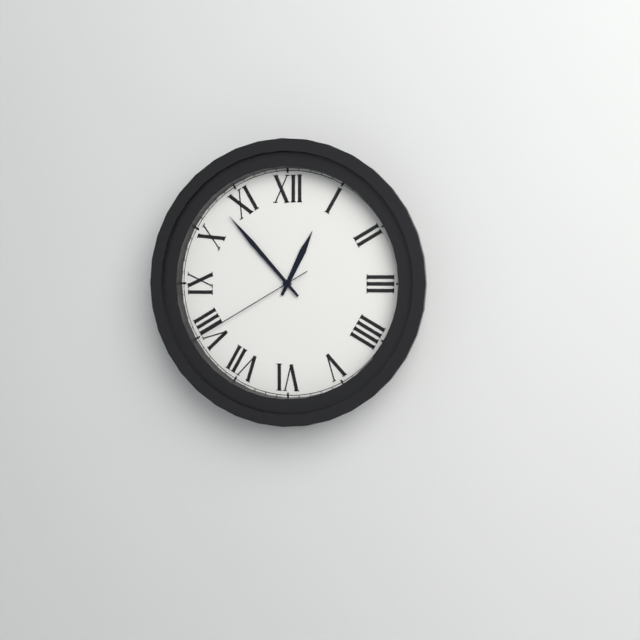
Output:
12 h 53 min 40 s
